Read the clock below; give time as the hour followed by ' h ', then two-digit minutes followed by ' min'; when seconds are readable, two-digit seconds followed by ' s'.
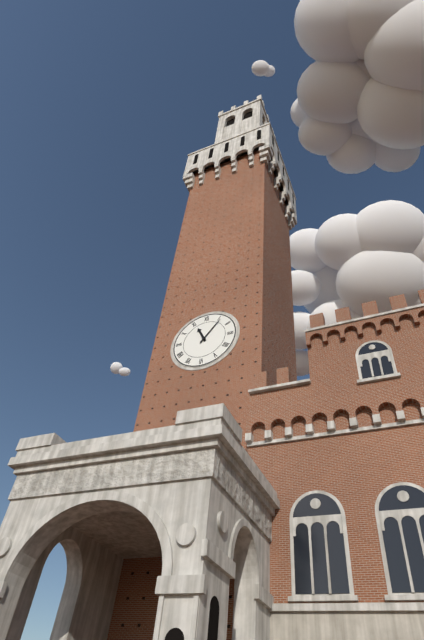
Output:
11 h 06 min
